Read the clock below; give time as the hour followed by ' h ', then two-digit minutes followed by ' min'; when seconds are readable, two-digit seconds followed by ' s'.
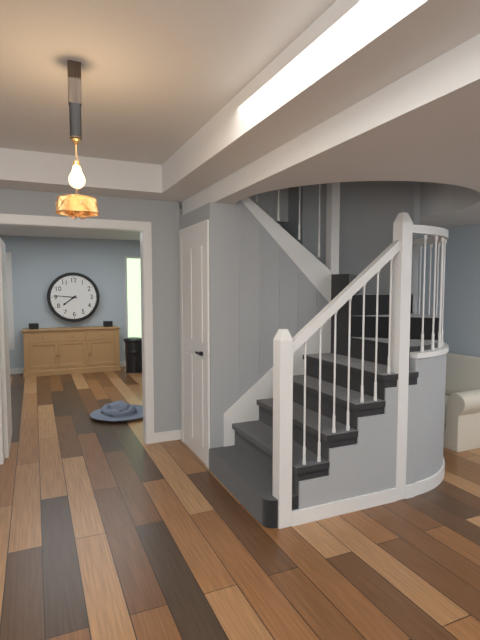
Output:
7 h 46 min
